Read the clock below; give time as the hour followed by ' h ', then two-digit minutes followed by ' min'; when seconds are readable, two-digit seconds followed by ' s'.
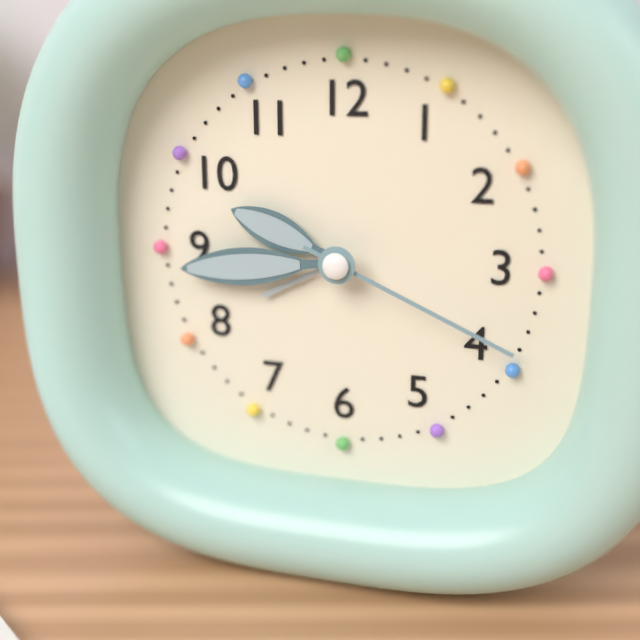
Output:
9 h 44 min 19 s
